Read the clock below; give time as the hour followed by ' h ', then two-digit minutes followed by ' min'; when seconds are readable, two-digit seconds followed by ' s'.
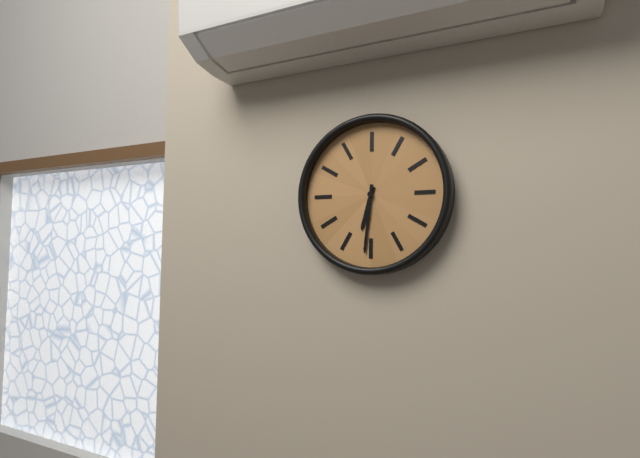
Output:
6 h 31 min
